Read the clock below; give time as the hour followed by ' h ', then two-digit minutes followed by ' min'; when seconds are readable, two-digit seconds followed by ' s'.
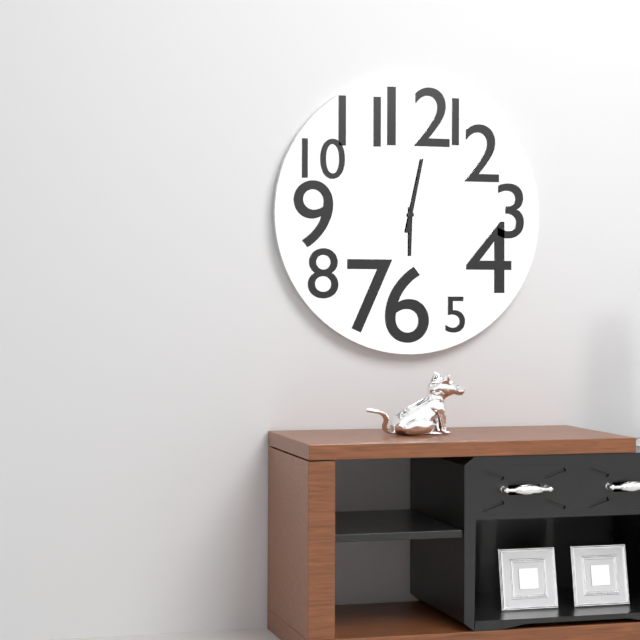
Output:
6 h 02 min
